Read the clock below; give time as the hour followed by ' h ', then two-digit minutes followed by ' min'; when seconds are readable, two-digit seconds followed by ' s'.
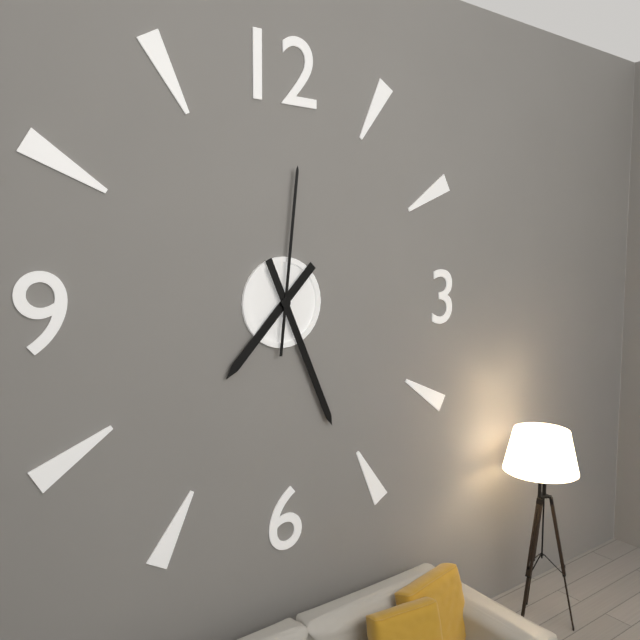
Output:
7 h 26 min 01 s
